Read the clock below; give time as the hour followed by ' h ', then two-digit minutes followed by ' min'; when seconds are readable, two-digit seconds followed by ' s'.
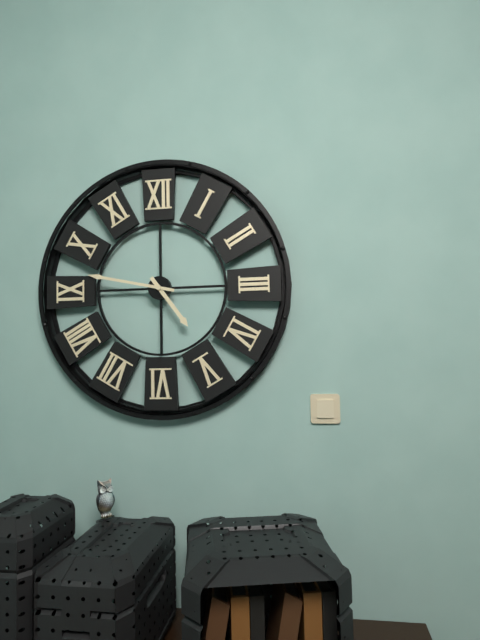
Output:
4 h 47 min
